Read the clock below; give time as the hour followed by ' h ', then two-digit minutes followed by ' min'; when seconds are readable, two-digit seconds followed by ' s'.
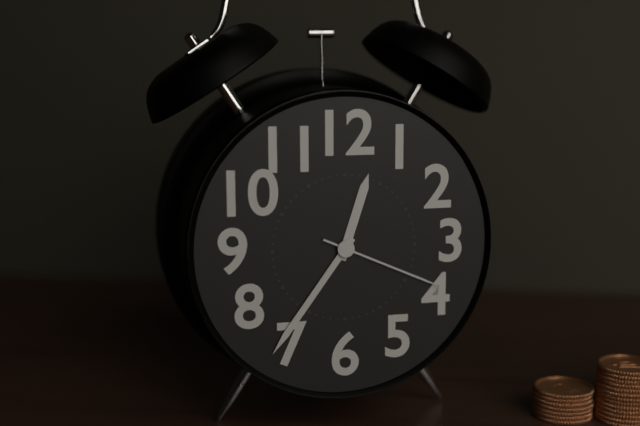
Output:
12 h 36 min 19 s
